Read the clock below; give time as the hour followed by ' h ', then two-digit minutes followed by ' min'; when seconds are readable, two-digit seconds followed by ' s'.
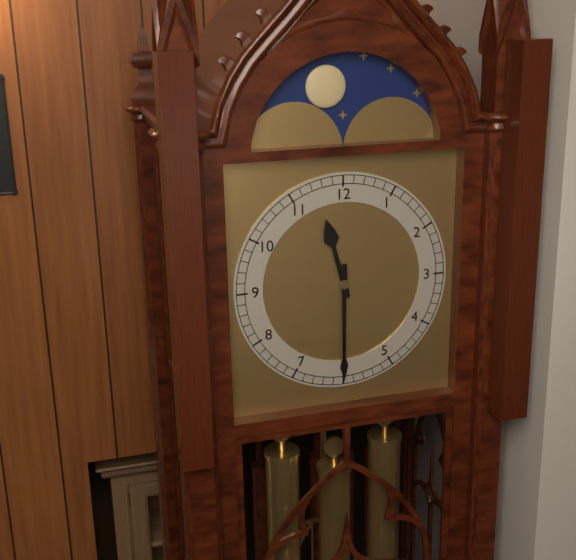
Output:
11 h 30 min
